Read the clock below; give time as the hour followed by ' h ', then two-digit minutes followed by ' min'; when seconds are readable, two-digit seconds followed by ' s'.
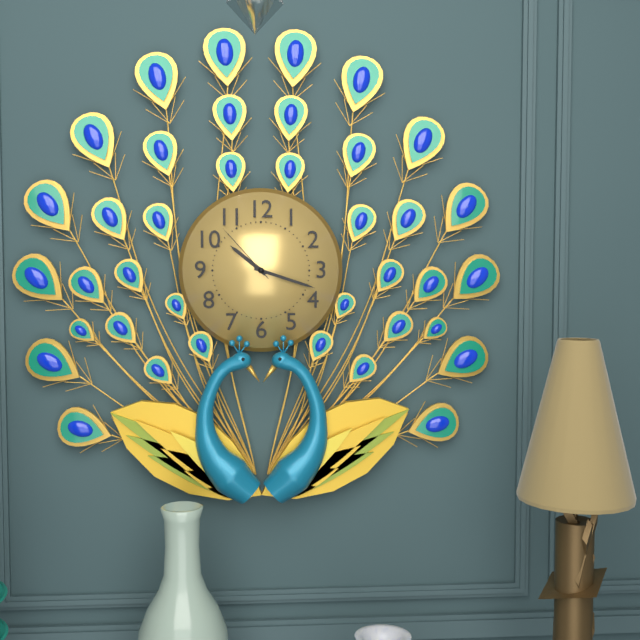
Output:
10 h 18 min 53 s
